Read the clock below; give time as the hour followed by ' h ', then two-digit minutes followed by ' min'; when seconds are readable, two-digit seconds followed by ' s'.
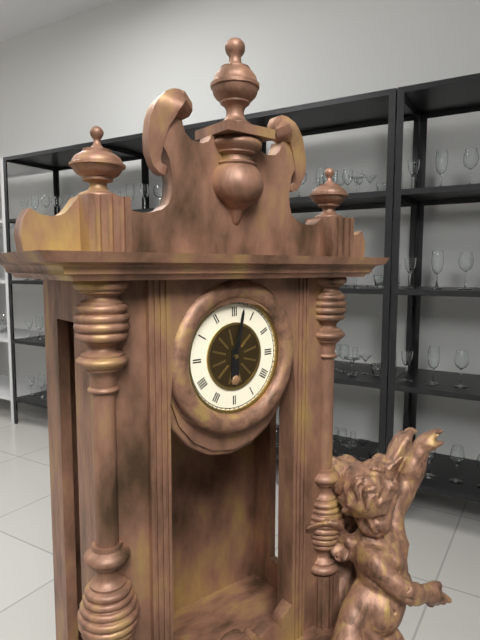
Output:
6 h 02 min
